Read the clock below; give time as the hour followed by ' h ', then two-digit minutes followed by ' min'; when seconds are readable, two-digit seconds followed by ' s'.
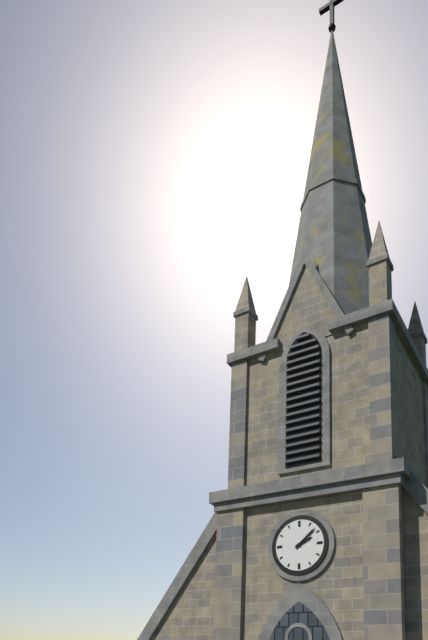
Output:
2 h 08 min
